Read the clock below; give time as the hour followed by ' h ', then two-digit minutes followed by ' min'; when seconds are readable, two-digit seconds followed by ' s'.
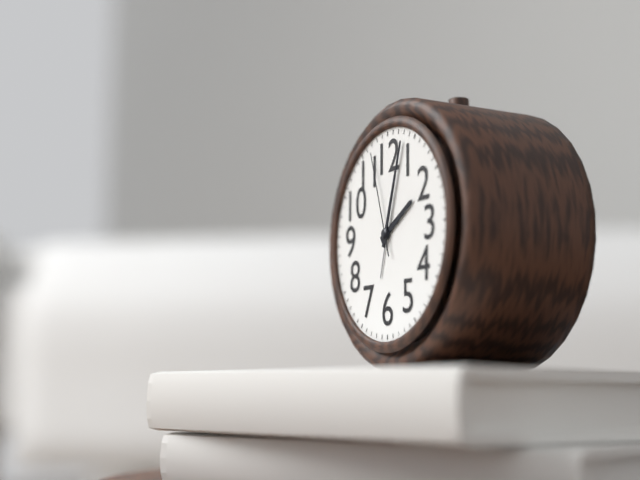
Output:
2 h 03 min 57 s
